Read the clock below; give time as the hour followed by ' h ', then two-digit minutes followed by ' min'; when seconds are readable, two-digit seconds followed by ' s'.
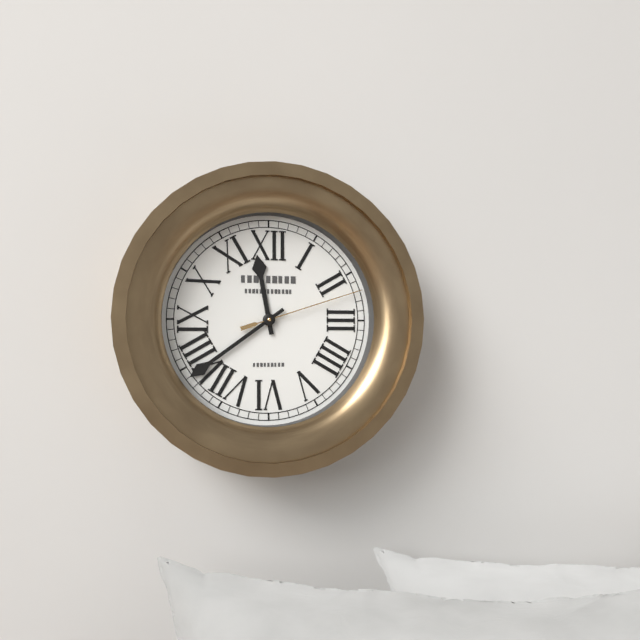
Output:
11 h 39 min 12 s
